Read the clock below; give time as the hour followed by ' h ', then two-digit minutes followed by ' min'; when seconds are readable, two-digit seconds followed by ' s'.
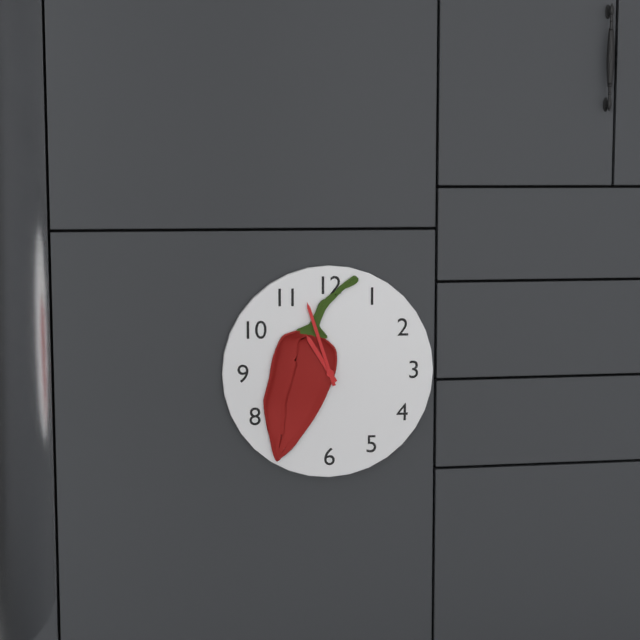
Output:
10 h 57 min
